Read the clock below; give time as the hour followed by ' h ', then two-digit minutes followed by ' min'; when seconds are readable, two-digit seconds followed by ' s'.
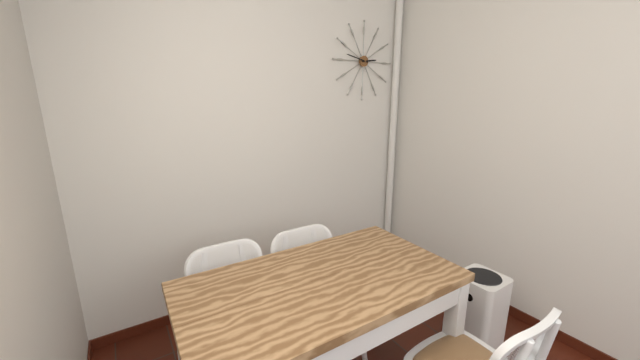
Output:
2 h 47 min
